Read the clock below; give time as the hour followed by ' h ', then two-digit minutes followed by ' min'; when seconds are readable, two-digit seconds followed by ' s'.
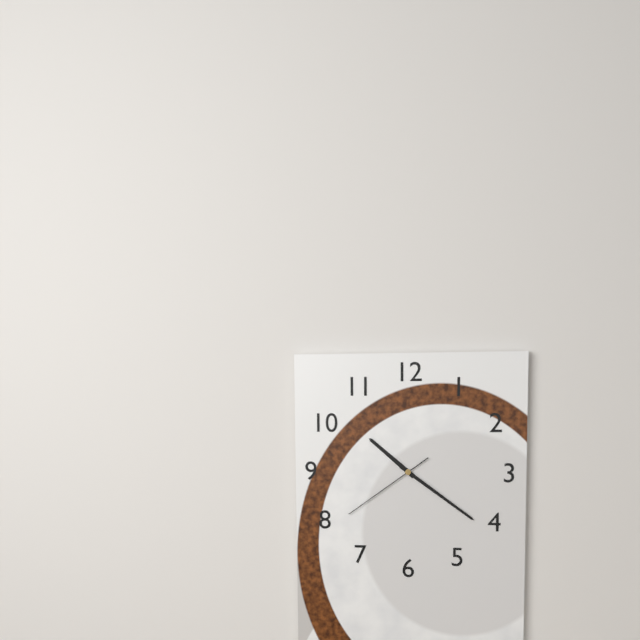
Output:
10 h 21 min 39 s
